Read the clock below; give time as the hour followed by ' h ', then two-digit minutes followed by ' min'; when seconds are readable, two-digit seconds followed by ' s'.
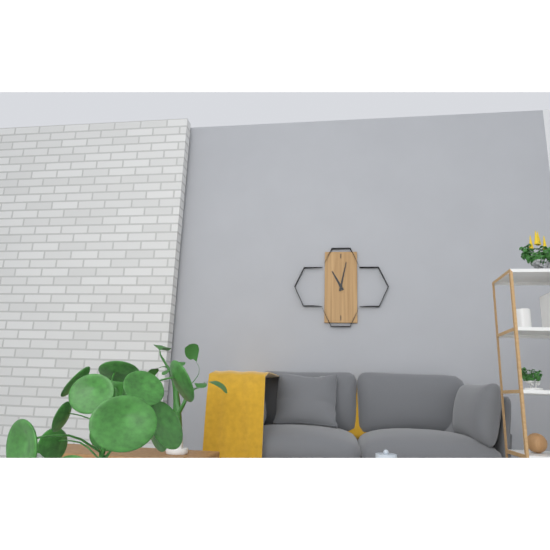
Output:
11 h 02 min
